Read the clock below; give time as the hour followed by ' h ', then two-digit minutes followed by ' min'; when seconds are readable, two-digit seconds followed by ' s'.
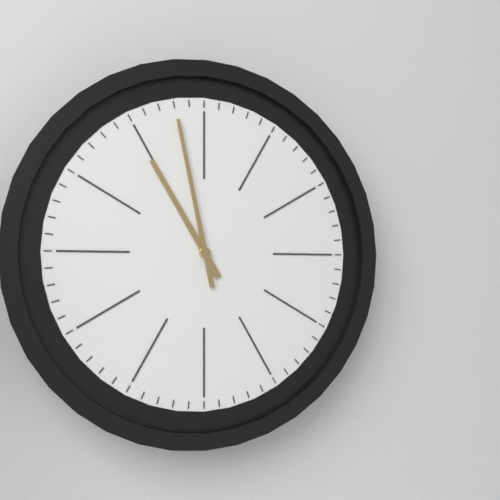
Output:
10 h 58 min
